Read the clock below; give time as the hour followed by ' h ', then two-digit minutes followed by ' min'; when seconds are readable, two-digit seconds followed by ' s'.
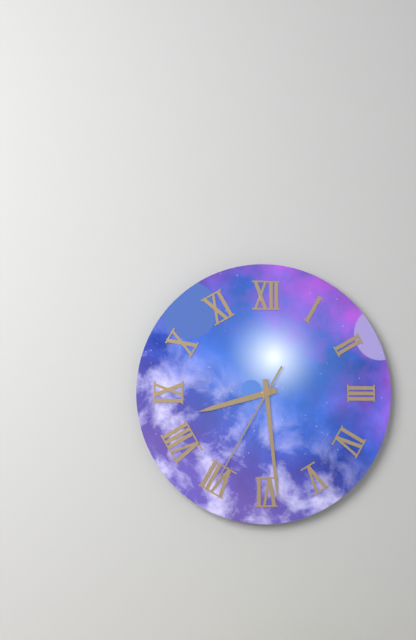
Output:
8 h 29 min 35 s
